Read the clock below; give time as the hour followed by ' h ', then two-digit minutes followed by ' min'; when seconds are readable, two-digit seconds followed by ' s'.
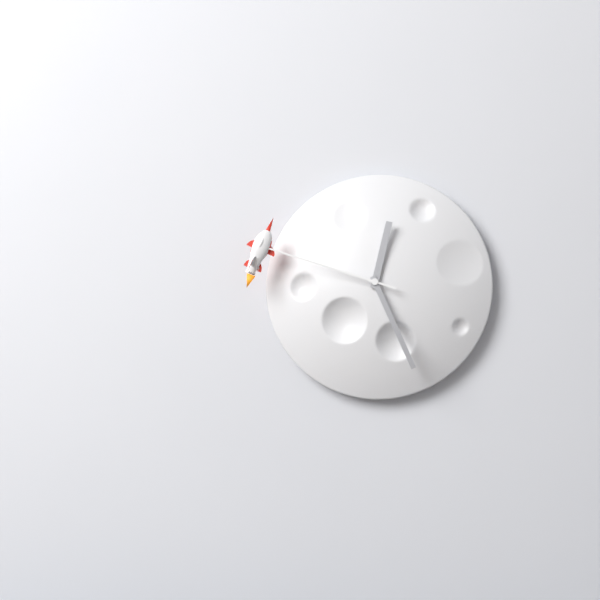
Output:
12 h 26 min 48 s
